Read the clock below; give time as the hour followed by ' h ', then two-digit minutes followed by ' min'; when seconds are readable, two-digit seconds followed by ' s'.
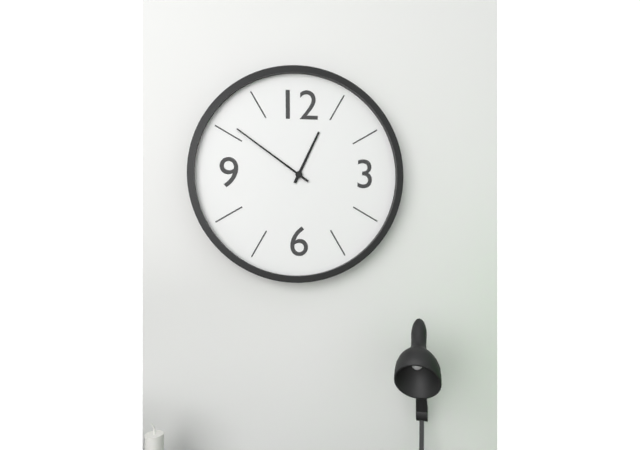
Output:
12 h 51 min
